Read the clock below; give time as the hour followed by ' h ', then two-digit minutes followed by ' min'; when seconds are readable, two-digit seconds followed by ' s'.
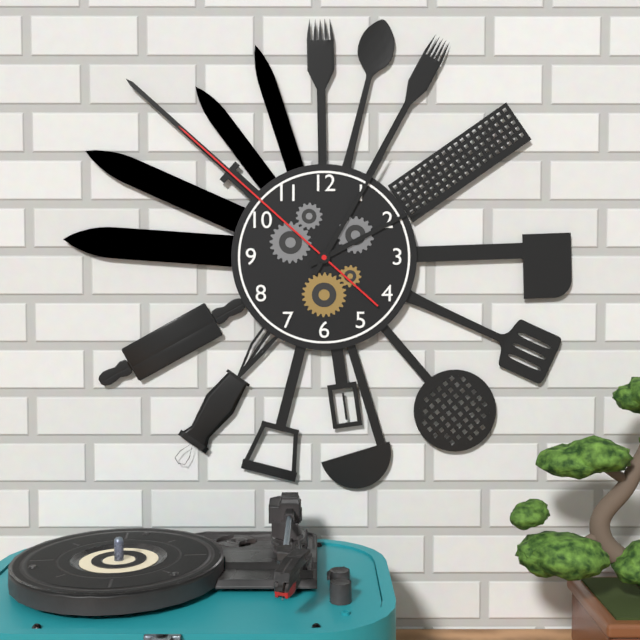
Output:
2 h 05 min 52 s
